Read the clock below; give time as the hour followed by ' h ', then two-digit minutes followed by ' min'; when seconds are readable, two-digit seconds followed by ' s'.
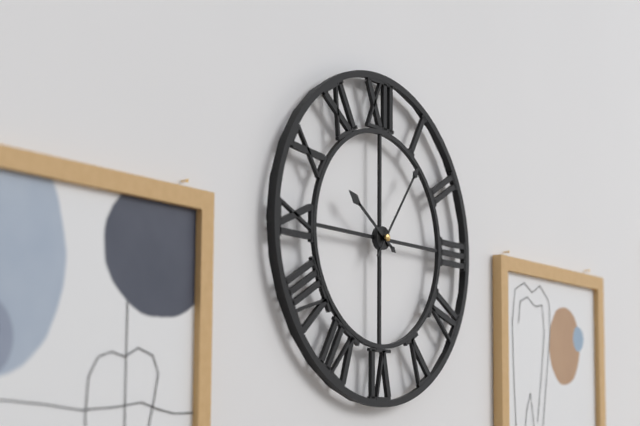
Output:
10 h 06 min
